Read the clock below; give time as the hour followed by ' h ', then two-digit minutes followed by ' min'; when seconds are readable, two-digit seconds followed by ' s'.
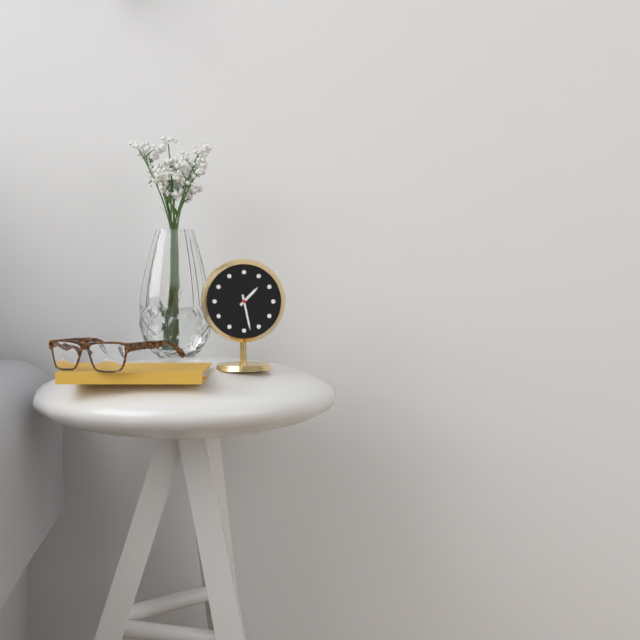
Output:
1 h 28 min
